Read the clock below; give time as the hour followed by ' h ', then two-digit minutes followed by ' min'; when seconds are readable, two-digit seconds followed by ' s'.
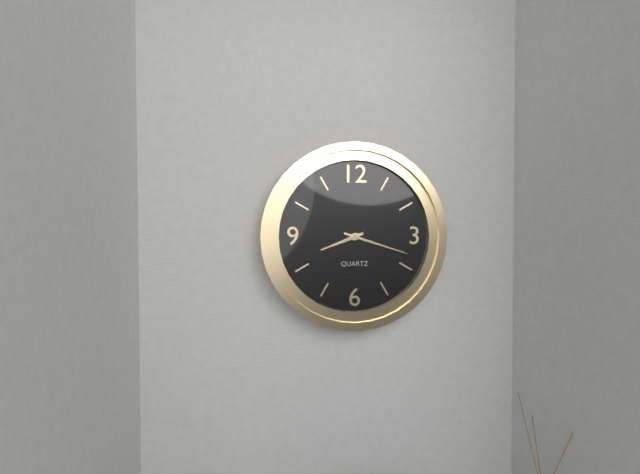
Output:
8 h 18 min
